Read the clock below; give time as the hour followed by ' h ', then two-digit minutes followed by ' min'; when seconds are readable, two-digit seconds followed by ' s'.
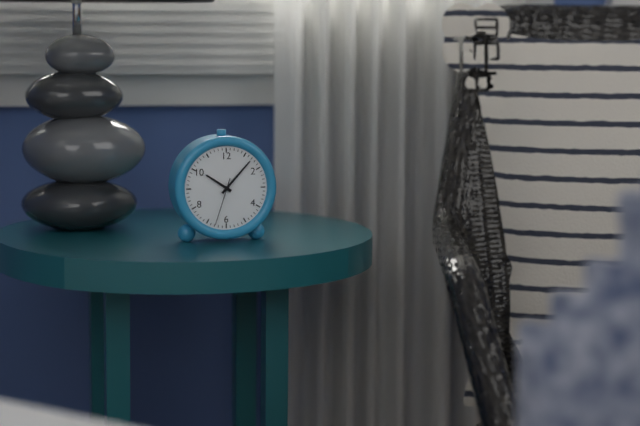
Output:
10 h 07 min
